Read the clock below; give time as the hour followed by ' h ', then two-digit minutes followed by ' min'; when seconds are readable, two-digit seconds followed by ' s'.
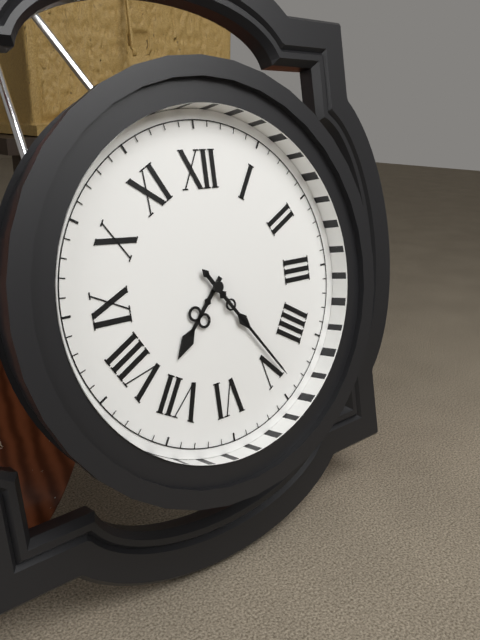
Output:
7 h 24 min
